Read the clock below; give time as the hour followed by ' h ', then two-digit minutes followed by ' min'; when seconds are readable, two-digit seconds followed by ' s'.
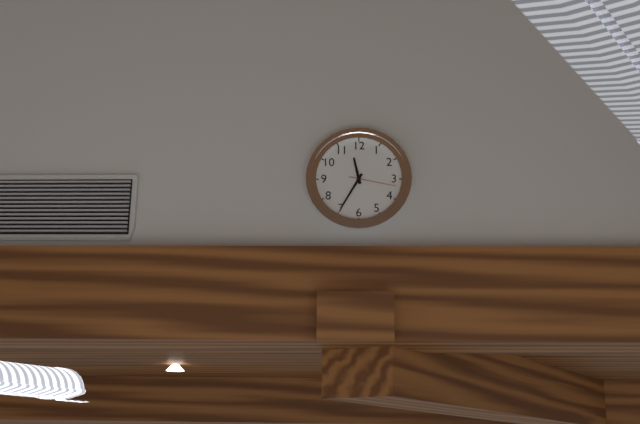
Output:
11 h 35 min
